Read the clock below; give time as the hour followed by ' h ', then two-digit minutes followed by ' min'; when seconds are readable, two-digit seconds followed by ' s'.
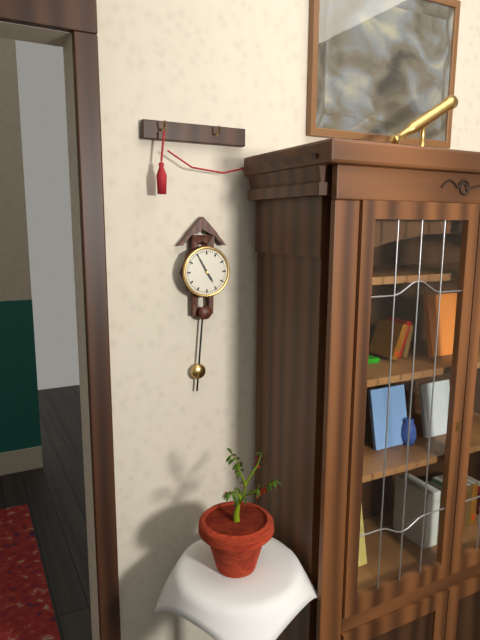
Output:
4 h 55 min
